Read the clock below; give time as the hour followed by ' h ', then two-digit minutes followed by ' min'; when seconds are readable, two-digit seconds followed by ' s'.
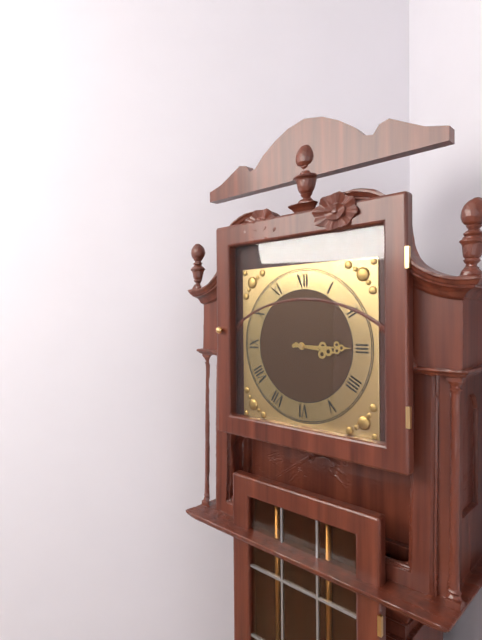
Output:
3 h 15 min
